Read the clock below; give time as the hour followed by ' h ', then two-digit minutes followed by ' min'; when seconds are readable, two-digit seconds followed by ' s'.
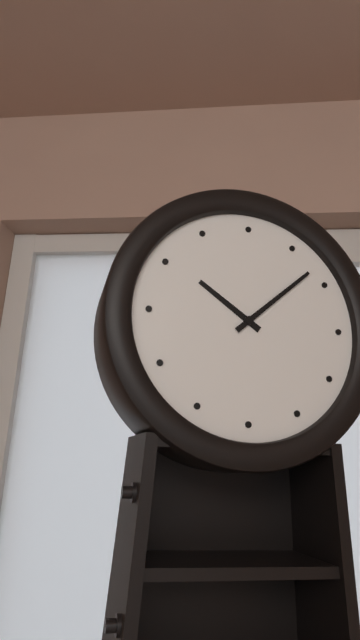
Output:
10 h 08 min
